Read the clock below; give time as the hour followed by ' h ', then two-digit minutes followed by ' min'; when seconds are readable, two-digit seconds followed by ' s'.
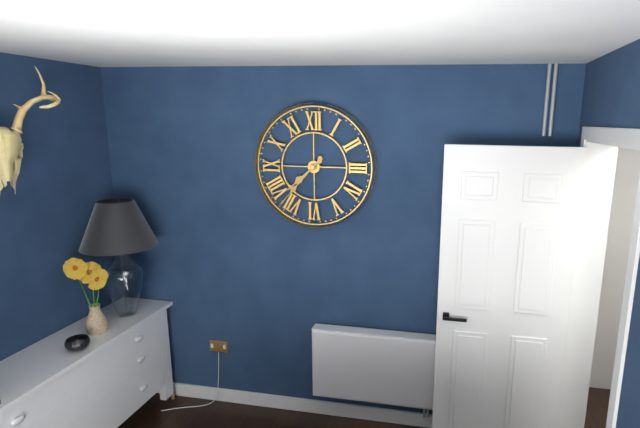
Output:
7 h 37 min
